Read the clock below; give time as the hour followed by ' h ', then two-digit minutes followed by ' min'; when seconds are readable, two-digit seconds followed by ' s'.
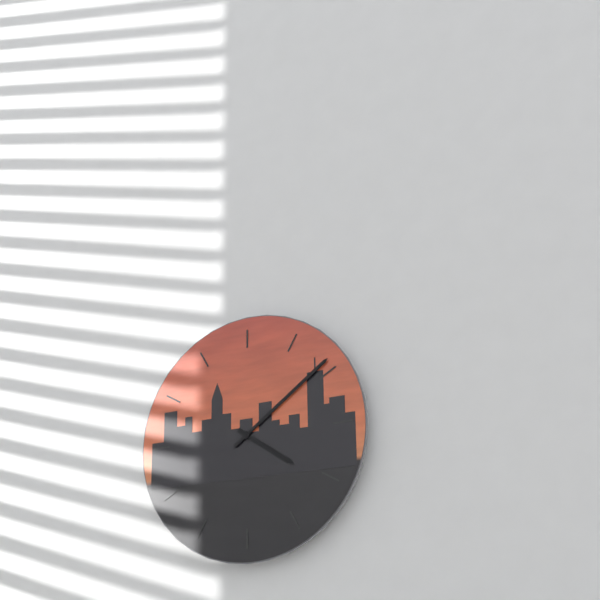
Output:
4 h 09 min
